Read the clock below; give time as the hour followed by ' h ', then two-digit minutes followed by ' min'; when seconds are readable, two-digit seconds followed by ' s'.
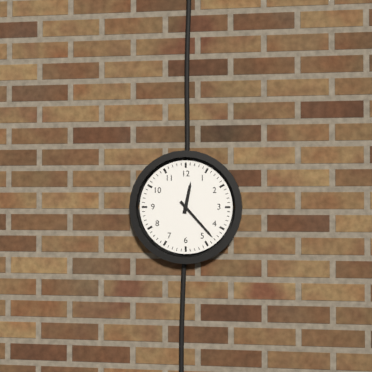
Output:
12 h 23 min
